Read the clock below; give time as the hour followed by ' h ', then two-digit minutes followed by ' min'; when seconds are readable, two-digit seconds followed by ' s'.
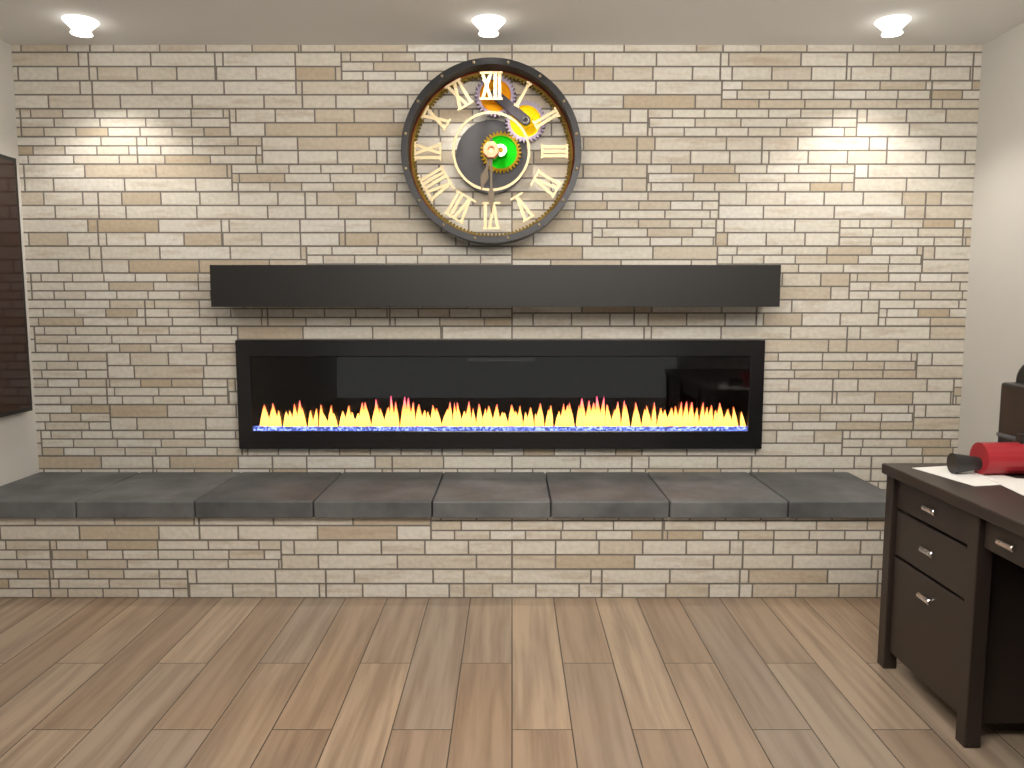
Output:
6 h 30 min
